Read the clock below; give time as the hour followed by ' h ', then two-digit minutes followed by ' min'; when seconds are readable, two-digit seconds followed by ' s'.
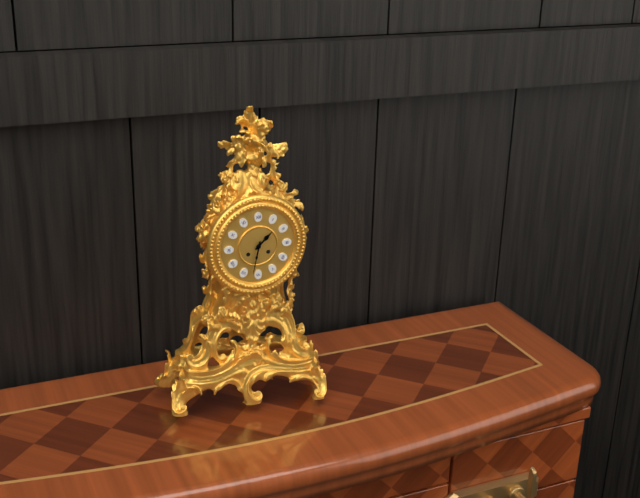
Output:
1 h 32 min
